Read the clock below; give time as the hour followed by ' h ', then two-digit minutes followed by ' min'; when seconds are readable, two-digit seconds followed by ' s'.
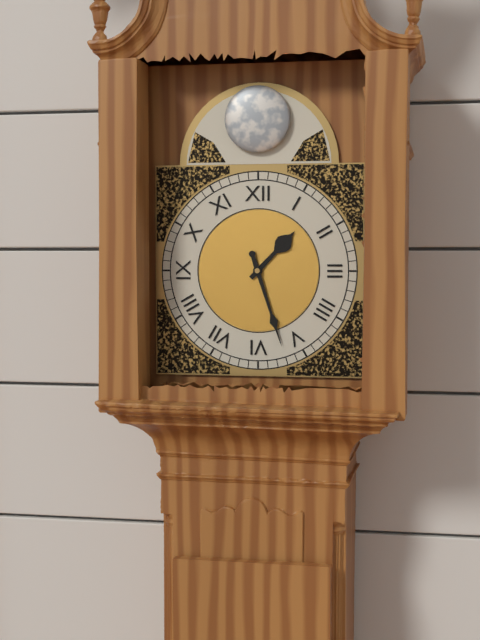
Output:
1 h 27 min
